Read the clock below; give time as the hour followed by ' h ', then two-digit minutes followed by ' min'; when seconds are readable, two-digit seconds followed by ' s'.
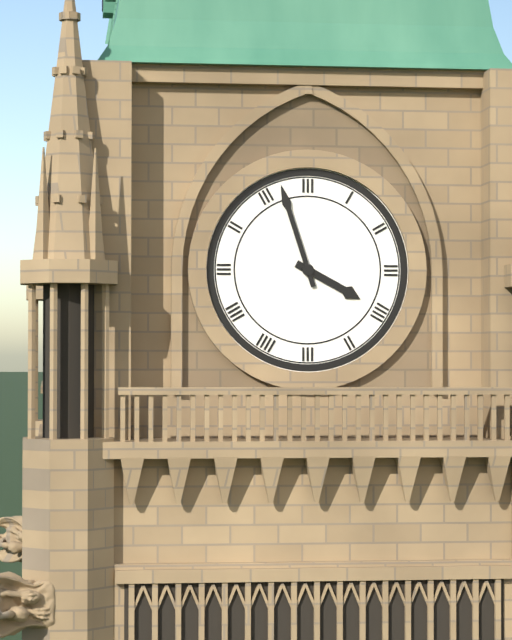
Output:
3 h 57 min
